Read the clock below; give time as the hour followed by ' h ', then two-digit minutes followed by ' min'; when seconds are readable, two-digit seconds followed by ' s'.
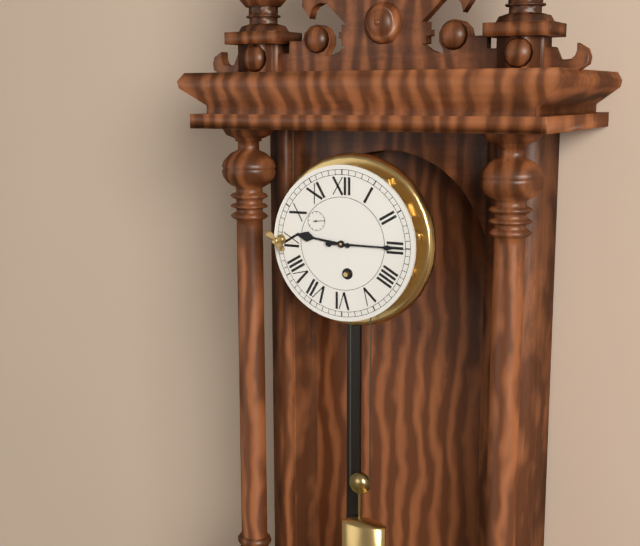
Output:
9 h 15 min
